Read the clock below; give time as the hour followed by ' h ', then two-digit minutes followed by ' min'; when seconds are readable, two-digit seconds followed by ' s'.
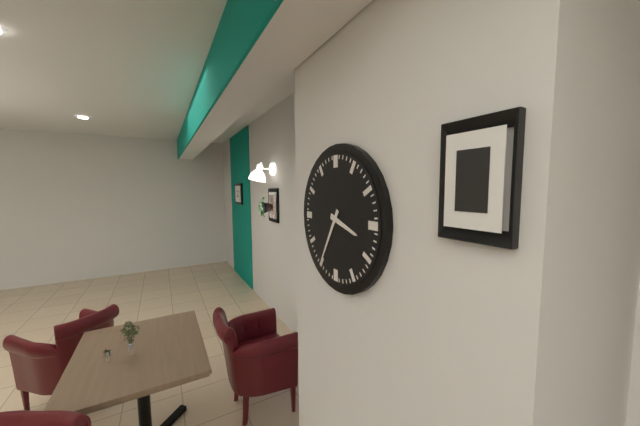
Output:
3 h 35 min
